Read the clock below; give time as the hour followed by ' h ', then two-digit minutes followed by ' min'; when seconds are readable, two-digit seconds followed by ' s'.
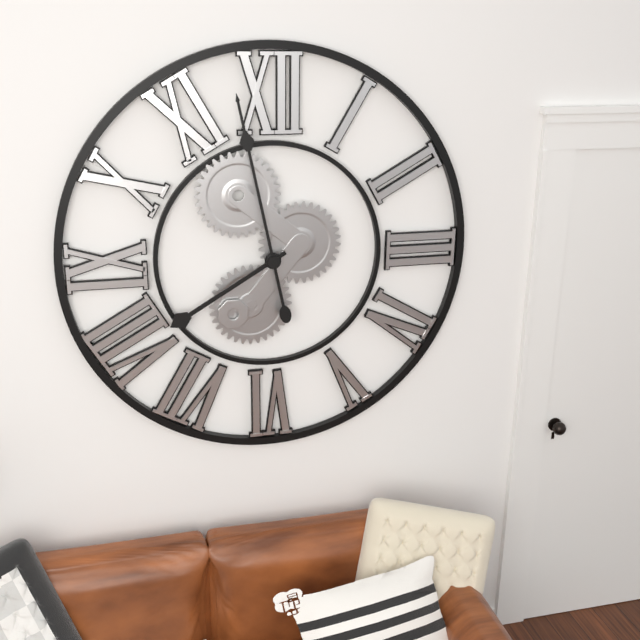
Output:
7 h 58 min
